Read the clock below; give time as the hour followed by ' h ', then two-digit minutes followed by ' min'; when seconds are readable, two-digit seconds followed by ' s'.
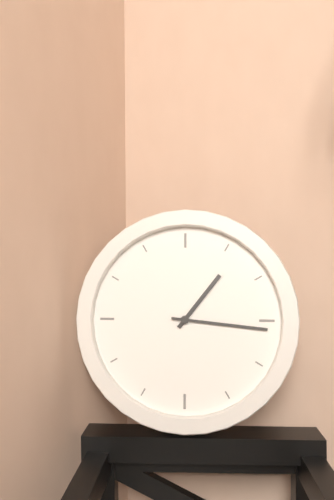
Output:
1 h 16 min
